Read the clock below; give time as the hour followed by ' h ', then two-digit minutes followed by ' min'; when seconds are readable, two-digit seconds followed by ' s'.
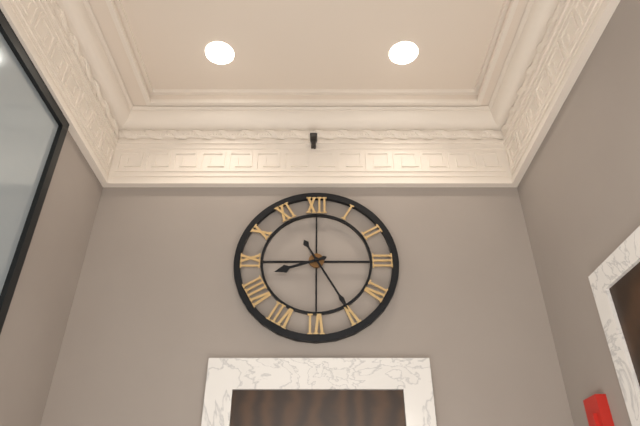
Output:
8 h 25 min
